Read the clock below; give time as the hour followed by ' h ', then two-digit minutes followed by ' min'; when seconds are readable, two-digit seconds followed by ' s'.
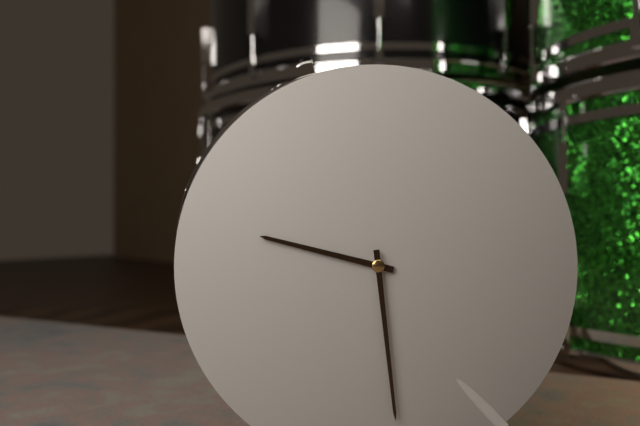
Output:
9 h 29 min
